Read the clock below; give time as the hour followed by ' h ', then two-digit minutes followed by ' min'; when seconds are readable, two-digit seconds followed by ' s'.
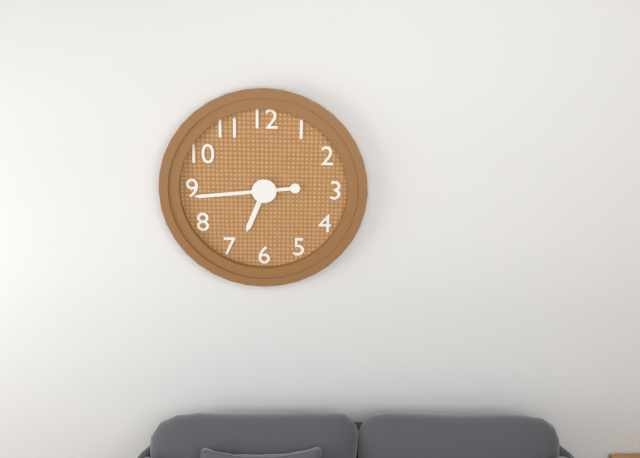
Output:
6 h 44 min
